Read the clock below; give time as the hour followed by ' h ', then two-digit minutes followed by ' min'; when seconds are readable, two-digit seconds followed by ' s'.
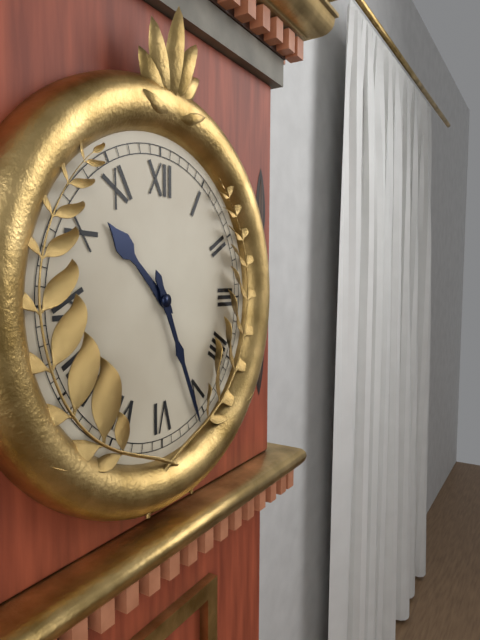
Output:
10 h 26 min
